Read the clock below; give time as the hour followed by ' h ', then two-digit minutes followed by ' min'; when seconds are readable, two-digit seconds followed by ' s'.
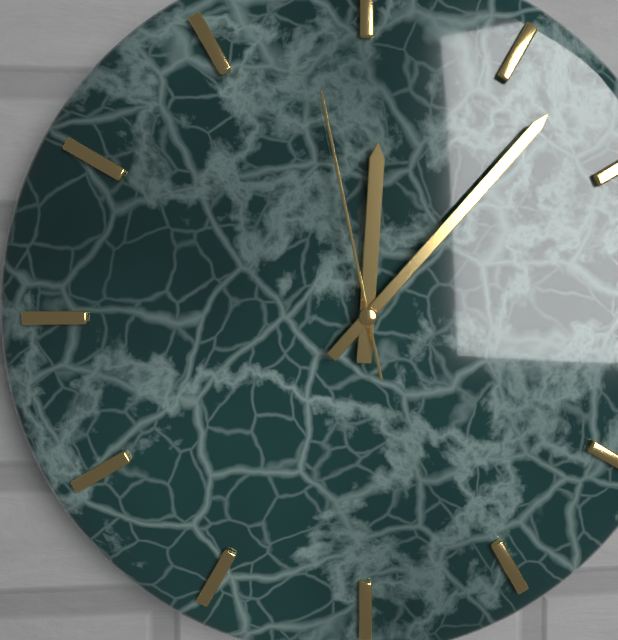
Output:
12 h 07 min 58 s
